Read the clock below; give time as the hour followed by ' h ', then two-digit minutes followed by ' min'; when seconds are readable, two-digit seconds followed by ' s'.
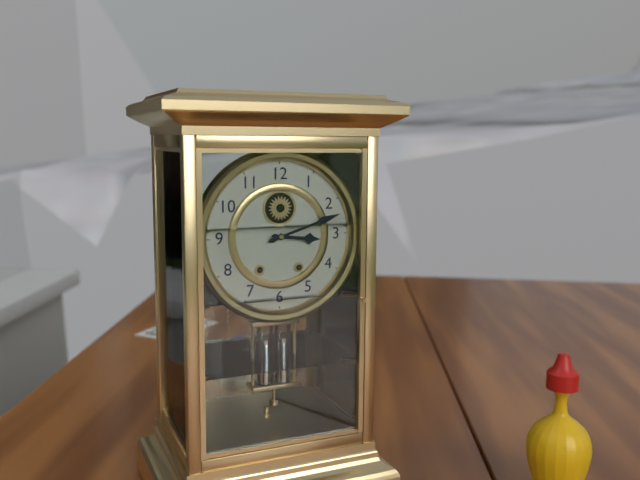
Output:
3 h 12 min
